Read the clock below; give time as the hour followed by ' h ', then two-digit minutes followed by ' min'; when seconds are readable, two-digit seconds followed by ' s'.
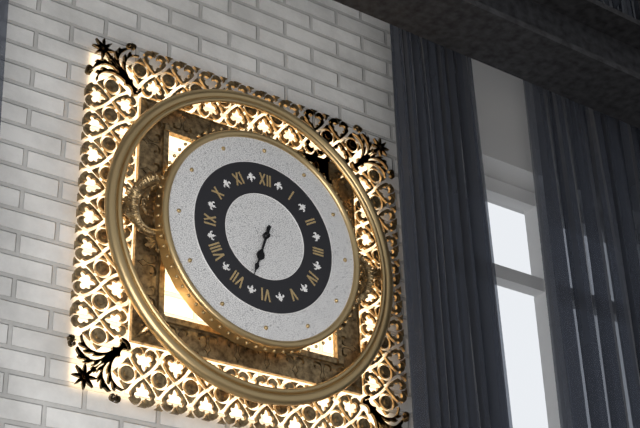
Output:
6 h 33 min
